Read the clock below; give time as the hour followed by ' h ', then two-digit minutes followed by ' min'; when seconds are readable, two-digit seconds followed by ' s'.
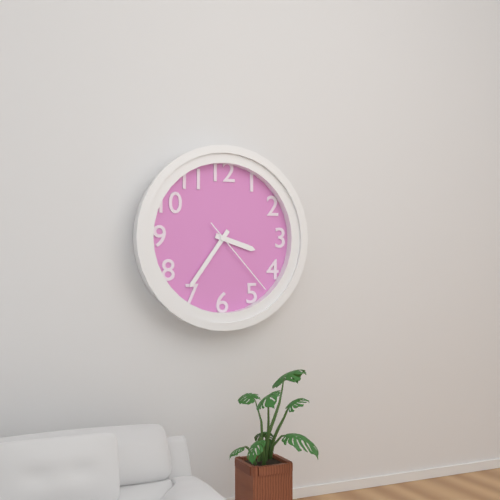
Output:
3 h 36 min 23 s
